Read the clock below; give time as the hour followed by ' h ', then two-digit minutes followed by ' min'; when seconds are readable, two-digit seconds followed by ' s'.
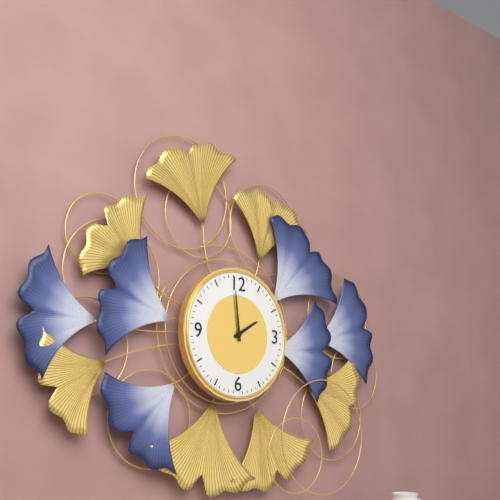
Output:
1 h 59 min
